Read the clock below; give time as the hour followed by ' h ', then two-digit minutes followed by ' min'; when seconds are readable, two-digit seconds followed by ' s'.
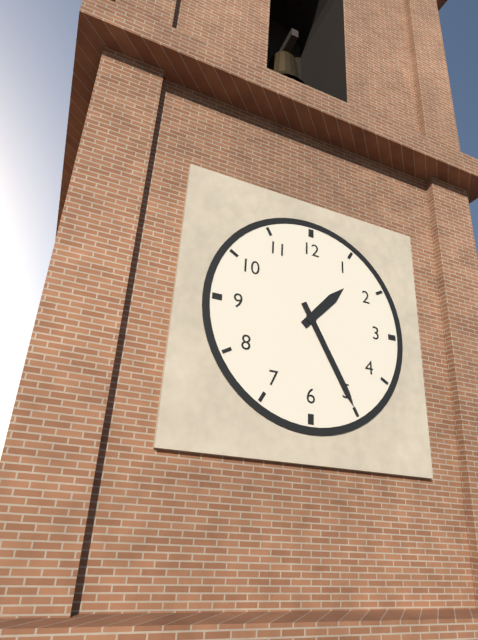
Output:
1 h 25 min
